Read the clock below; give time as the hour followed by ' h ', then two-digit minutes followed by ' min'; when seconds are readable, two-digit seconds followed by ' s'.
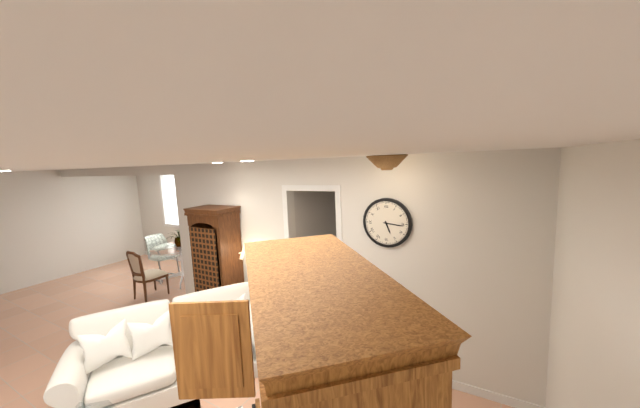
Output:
5 h 16 min
